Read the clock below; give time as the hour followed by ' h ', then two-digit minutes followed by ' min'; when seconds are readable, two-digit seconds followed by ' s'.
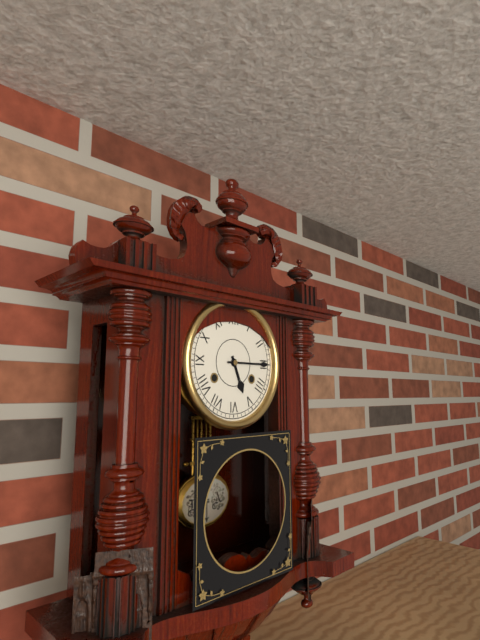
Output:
5 h 15 min
